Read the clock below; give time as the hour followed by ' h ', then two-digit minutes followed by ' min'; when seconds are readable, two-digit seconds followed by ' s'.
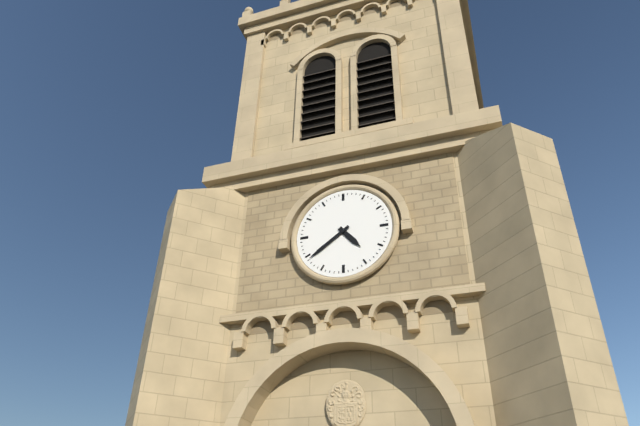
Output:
4 h 39 min
